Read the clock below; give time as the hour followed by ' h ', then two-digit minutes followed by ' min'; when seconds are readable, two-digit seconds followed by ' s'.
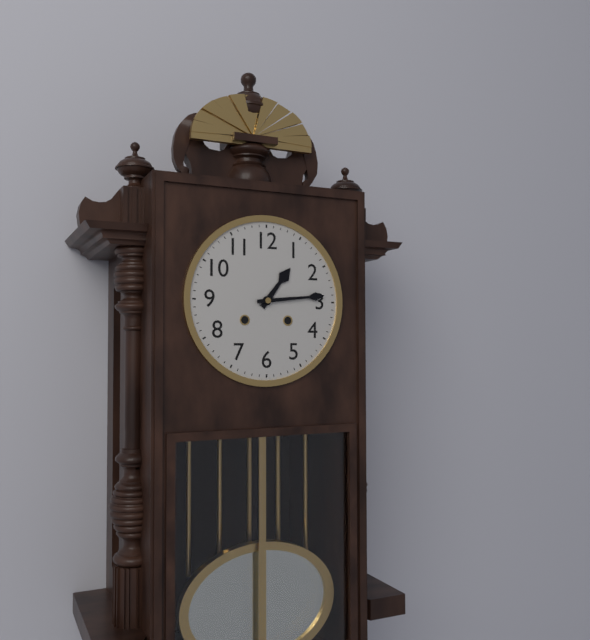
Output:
1 h 14 min
